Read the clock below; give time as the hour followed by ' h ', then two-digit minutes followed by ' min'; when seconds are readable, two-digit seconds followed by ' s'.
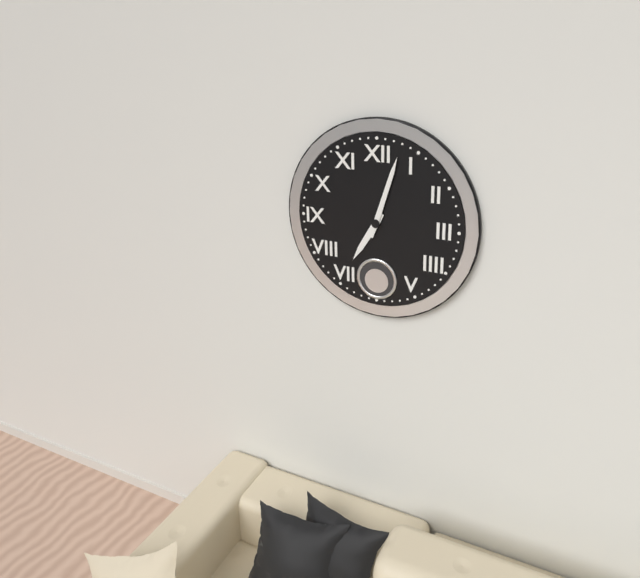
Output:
7 h 03 min
